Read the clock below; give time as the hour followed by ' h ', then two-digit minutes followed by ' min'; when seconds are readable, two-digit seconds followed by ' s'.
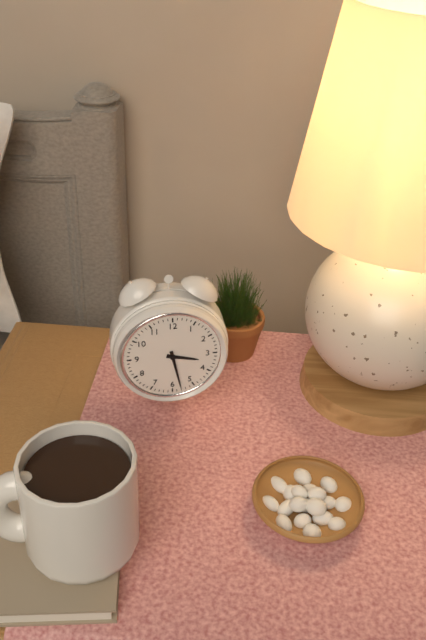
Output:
3 h 28 min
